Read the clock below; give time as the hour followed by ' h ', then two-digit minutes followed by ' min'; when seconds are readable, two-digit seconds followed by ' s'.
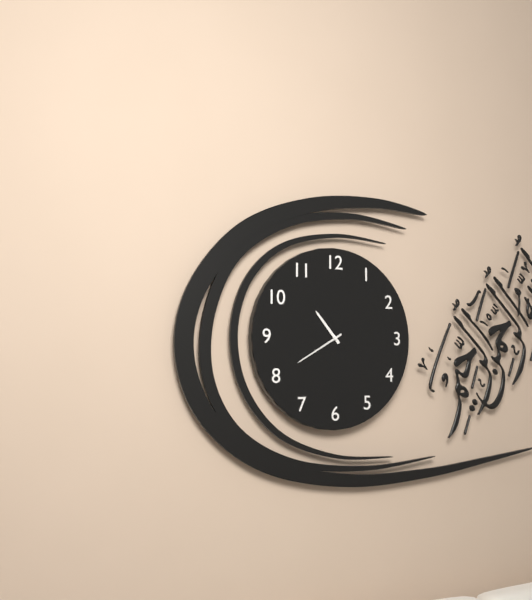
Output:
10 h 40 min
